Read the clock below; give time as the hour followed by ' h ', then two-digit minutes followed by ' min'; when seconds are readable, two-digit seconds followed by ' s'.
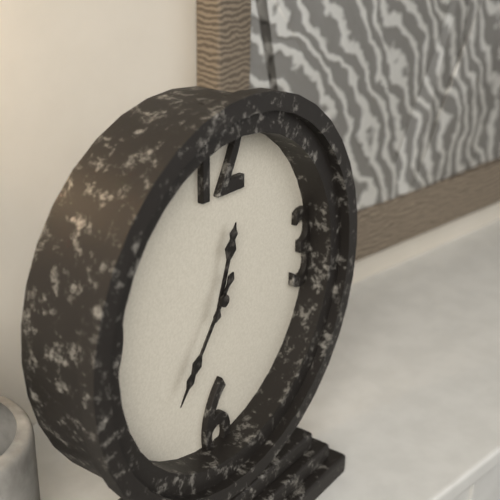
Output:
12 h 36 min
